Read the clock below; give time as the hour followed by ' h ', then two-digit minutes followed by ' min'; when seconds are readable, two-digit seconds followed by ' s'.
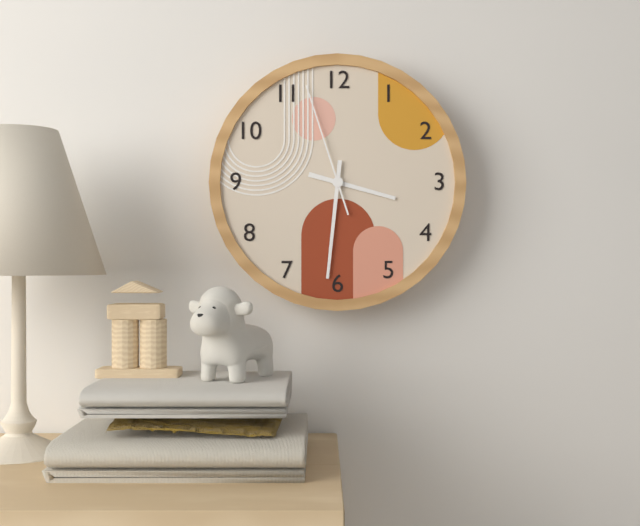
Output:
3 h 31 min 57 s
